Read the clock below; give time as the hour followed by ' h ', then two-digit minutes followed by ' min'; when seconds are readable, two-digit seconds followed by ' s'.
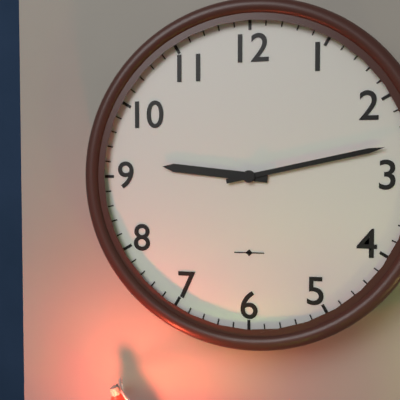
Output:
9 h 13 min
